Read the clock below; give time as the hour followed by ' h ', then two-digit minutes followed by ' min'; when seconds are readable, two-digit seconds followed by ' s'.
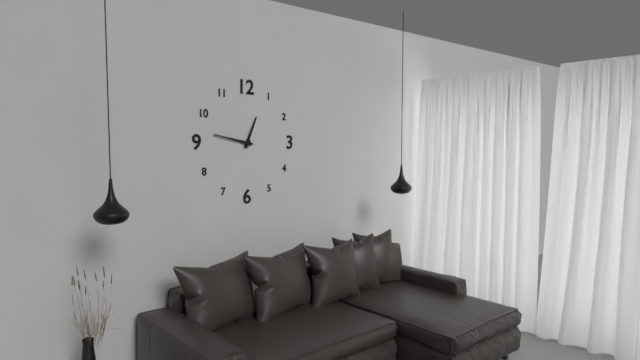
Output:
12 h 47 min
